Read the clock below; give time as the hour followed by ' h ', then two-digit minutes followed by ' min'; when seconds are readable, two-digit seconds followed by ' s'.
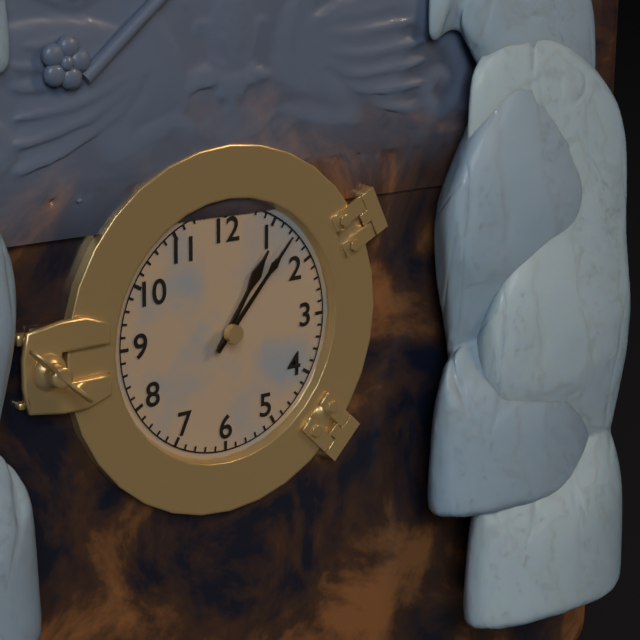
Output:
1 h 07 min
